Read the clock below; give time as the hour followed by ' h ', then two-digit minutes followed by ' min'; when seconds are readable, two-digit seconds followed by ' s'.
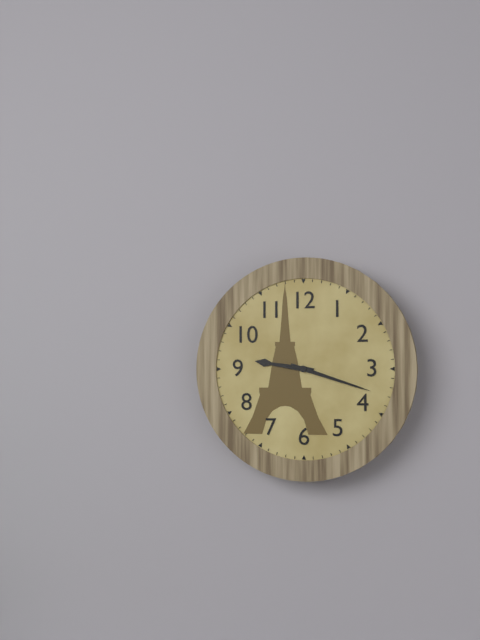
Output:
9 h 18 min
